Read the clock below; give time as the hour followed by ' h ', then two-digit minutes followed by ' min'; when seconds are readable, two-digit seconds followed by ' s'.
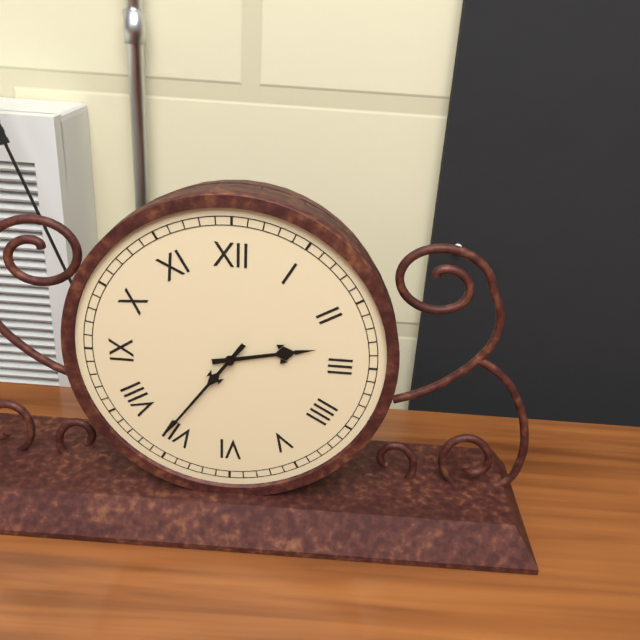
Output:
2 h 36 min
